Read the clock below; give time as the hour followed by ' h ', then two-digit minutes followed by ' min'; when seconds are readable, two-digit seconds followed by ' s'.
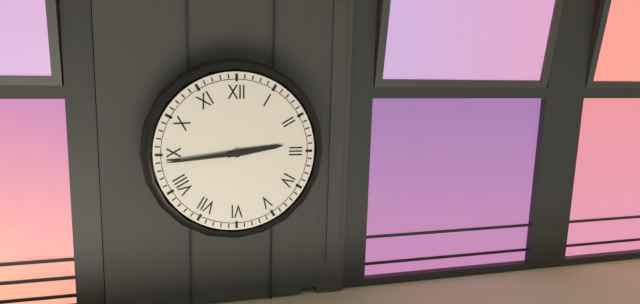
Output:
2 h 44 min
